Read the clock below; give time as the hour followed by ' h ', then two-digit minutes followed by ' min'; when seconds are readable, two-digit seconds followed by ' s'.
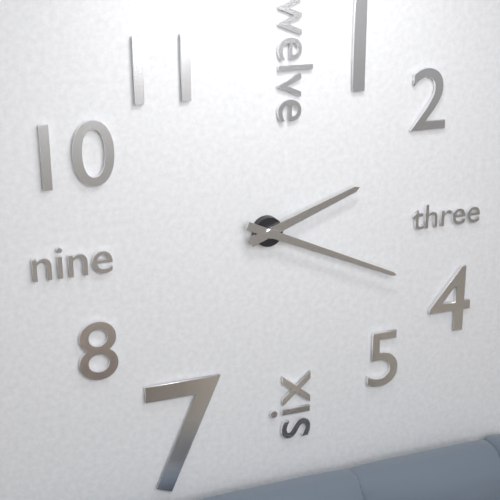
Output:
2 h 19 min
